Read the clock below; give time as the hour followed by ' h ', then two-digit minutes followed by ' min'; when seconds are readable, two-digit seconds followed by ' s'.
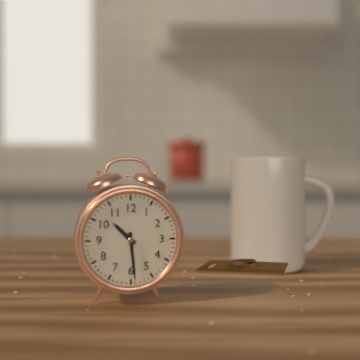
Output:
10 h 29 min
